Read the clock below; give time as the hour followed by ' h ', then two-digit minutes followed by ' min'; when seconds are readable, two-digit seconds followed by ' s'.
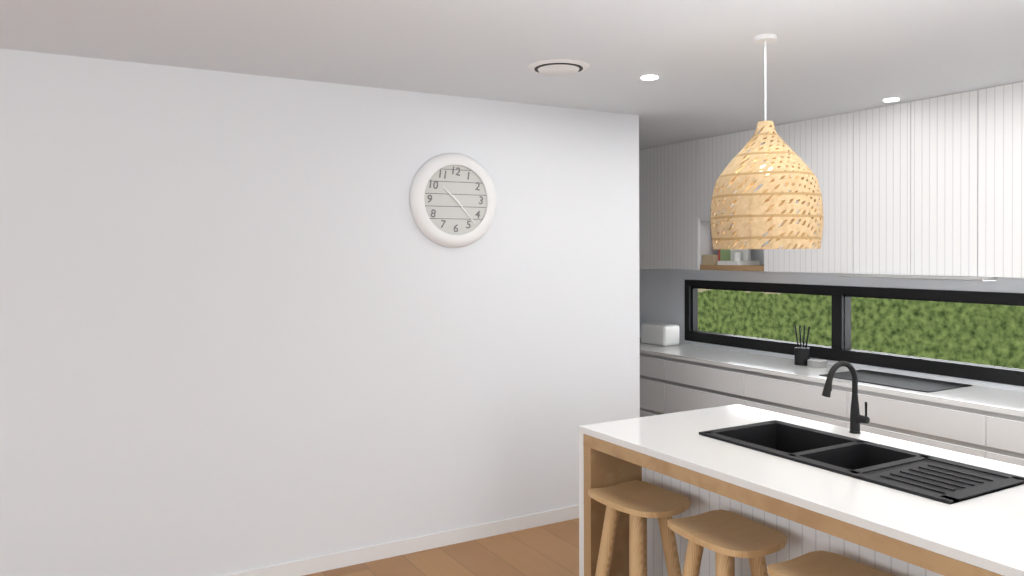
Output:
10 h 23 min
